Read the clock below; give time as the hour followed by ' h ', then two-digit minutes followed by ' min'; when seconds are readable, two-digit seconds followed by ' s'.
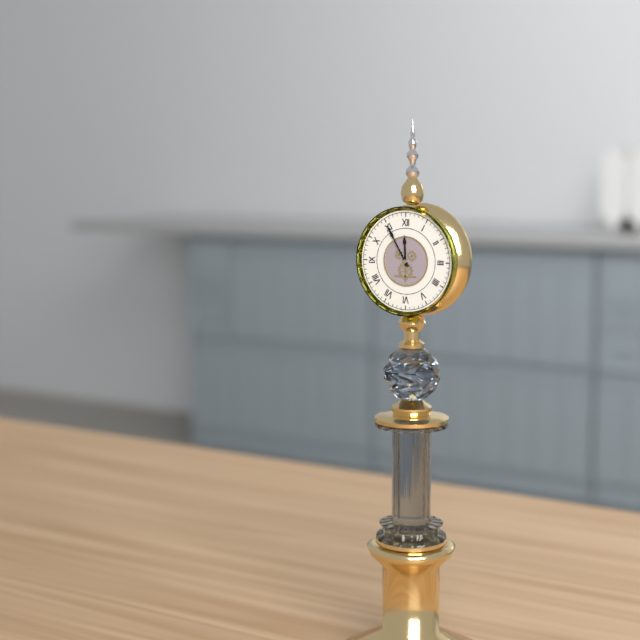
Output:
11 h 55 min
